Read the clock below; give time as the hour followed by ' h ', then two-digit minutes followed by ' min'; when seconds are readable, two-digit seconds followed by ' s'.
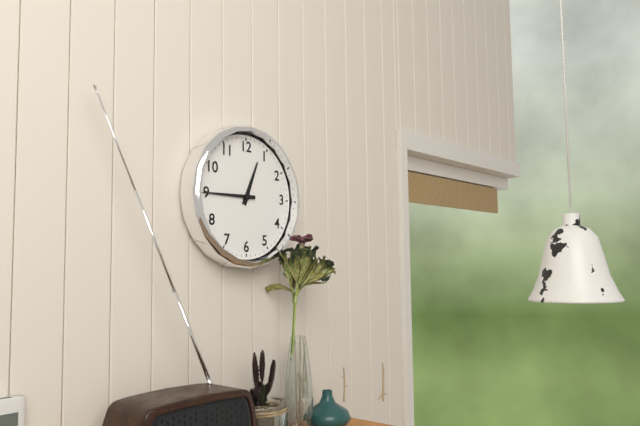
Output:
12 h 45 min
